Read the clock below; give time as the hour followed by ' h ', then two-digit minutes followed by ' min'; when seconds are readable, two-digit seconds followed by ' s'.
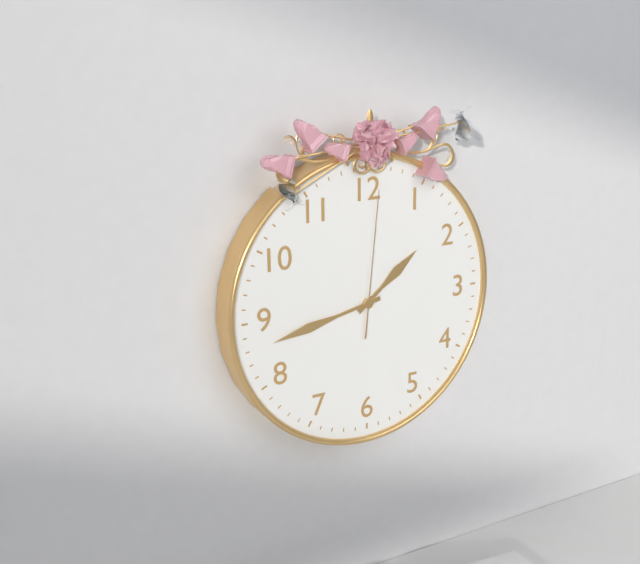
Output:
1 h 43 min 01 s
